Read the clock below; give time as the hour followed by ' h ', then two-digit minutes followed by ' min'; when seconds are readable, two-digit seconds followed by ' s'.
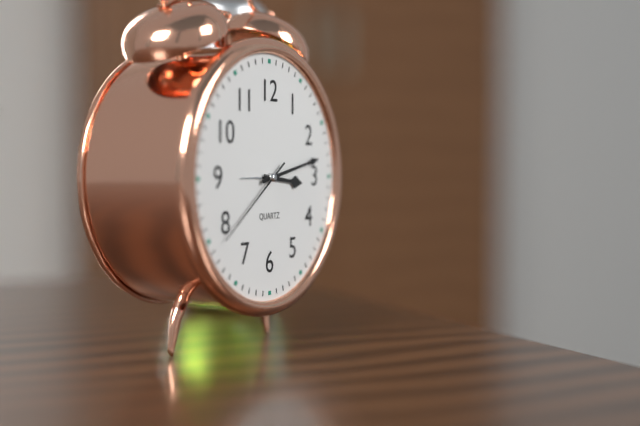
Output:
3 h 13 min 39 s
